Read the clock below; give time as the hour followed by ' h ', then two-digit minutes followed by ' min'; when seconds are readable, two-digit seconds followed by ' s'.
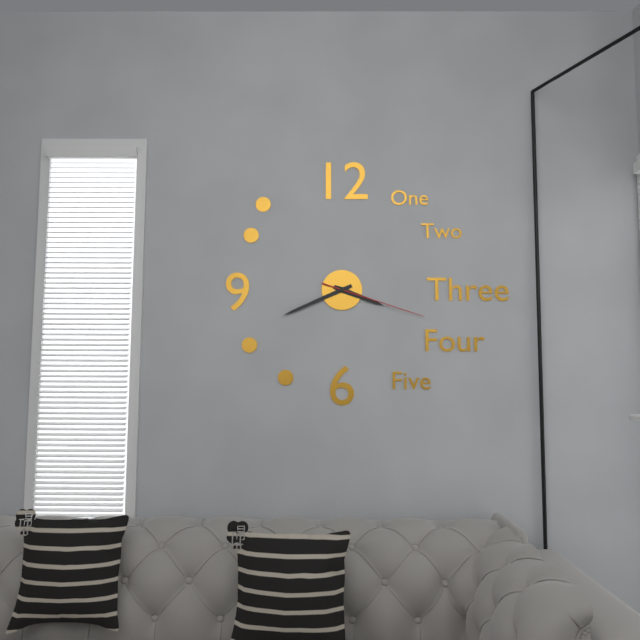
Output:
3 h 41 min 18 s
